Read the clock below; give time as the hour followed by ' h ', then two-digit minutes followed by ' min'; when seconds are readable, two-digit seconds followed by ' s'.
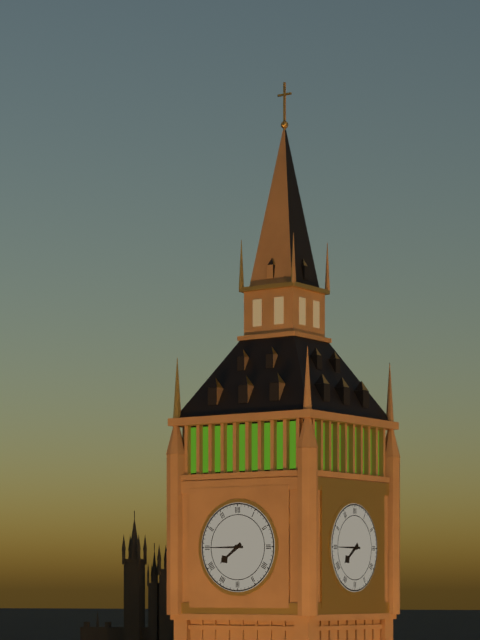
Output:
7 h 45 min
